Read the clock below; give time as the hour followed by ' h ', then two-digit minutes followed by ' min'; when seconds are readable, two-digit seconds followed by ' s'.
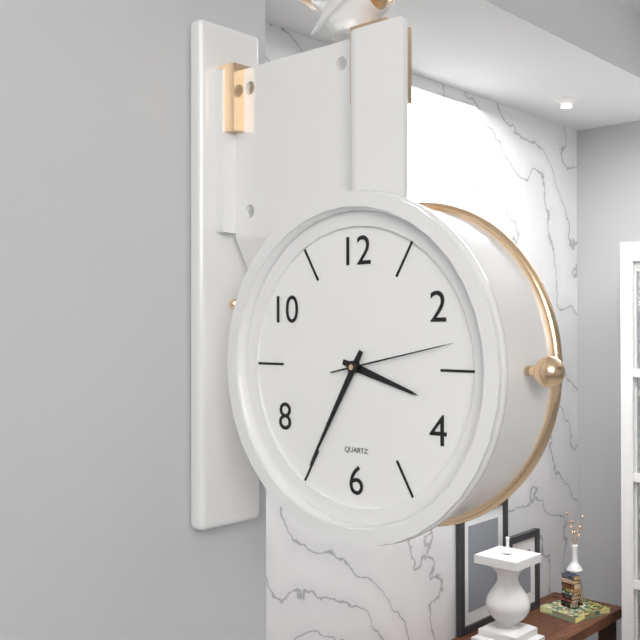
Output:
3 h 35 min 13 s
